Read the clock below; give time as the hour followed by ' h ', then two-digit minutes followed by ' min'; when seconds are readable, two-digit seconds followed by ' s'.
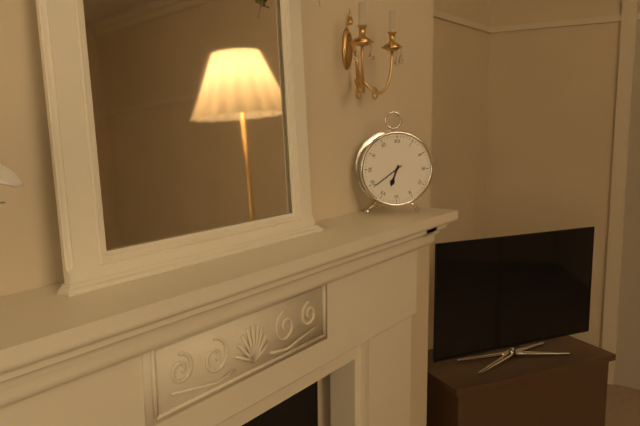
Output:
6 h 39 min
